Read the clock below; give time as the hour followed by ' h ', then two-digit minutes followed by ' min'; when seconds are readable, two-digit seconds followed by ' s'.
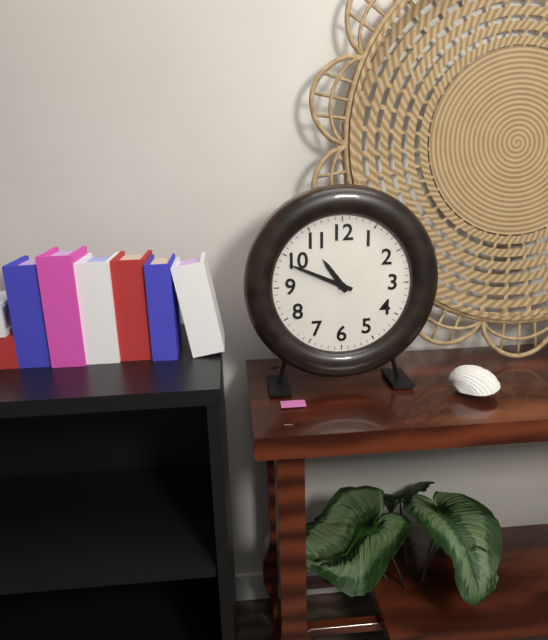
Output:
10 h 49 min
